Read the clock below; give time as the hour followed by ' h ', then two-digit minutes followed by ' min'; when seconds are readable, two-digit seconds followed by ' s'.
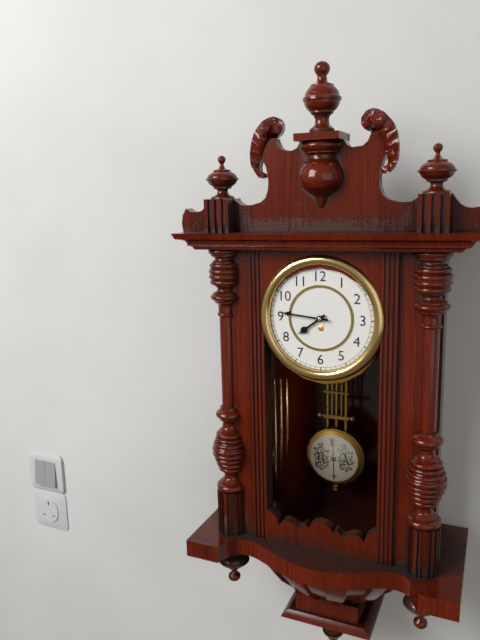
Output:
7 h 46 min
